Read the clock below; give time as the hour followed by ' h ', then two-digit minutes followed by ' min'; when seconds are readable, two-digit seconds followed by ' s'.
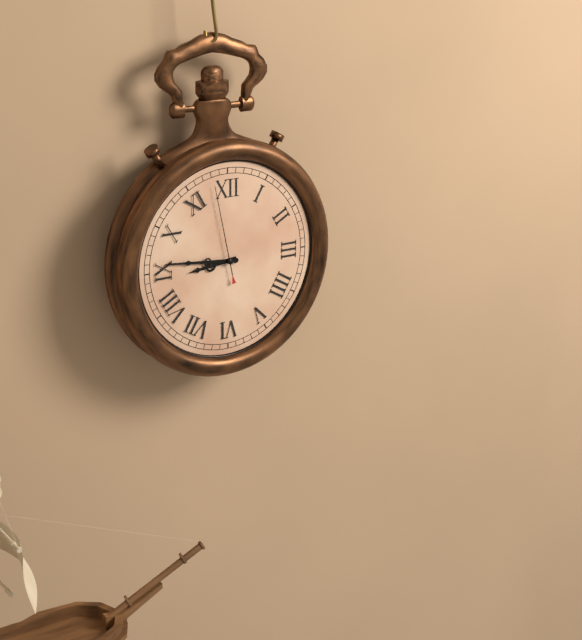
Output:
8 h 46 min 58 s
